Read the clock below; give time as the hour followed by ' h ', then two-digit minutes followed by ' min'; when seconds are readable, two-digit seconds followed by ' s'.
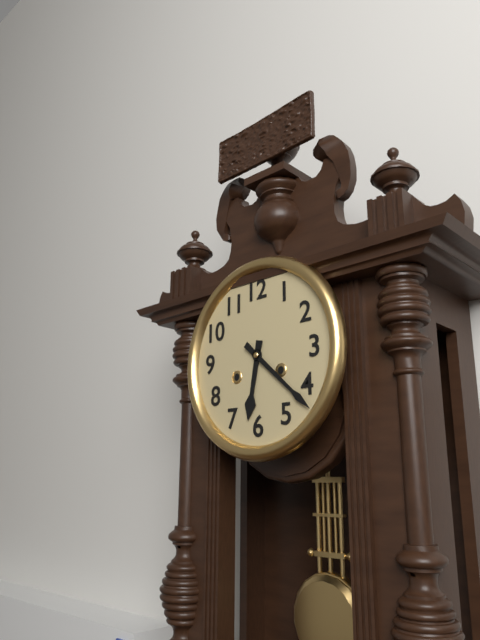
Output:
6 h 22 min
